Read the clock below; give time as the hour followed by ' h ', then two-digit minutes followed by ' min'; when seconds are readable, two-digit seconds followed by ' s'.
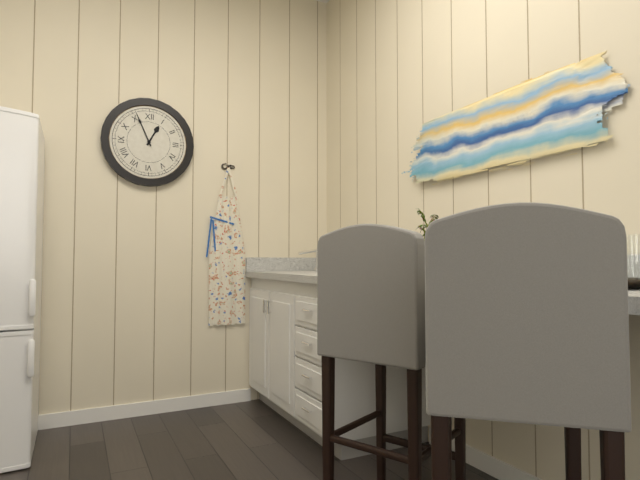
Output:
12 h 56 min
